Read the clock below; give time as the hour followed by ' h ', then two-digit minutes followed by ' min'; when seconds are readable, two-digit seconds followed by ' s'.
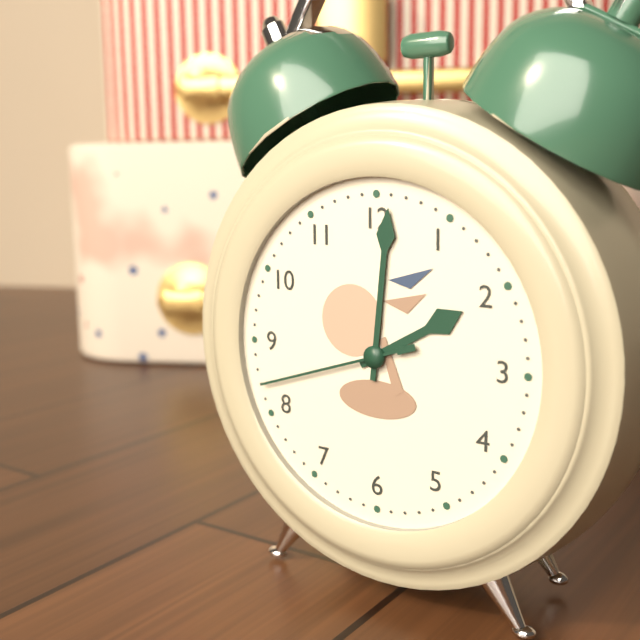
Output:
2 h 01 min 42 s
